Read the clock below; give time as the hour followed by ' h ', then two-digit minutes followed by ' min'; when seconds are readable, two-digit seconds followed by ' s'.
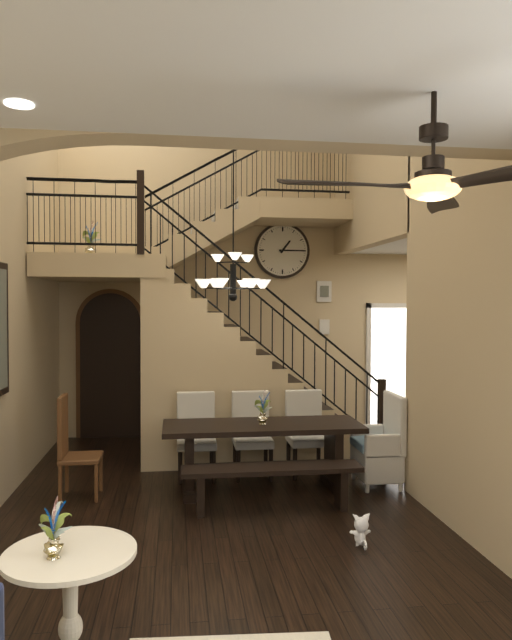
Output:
1 h 15 min
